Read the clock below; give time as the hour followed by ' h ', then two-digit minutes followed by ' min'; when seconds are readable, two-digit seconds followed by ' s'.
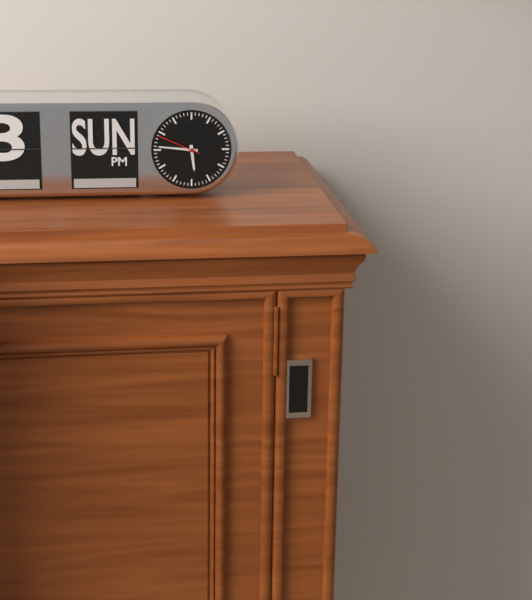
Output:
5 h 46 min
